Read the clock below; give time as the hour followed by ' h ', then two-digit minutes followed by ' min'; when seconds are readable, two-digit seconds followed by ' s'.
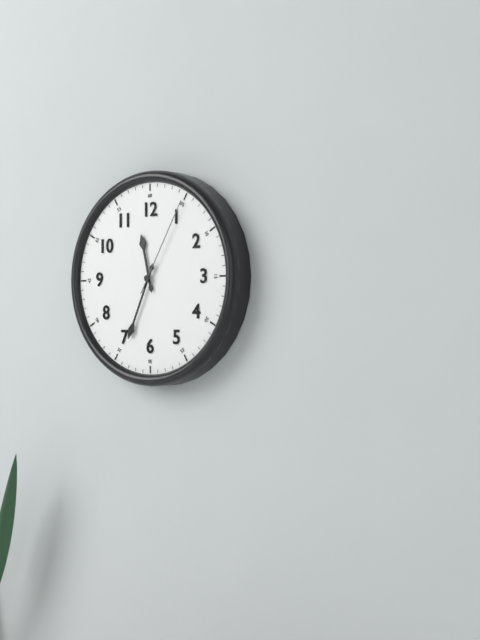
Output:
11 h 34 min 05 s
